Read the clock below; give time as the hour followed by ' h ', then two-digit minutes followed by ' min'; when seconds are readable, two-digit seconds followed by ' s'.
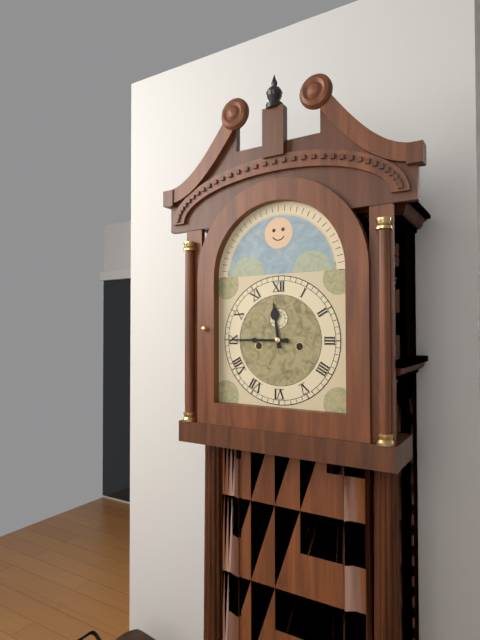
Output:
11 h 45 min
